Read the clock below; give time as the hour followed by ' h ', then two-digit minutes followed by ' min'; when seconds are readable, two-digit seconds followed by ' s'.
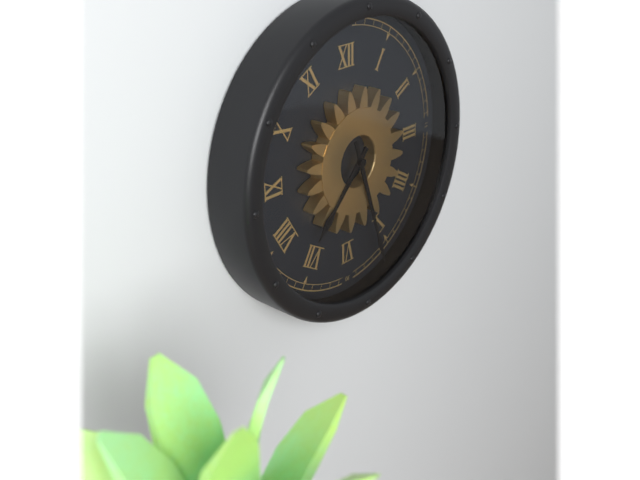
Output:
7 h 27 min
